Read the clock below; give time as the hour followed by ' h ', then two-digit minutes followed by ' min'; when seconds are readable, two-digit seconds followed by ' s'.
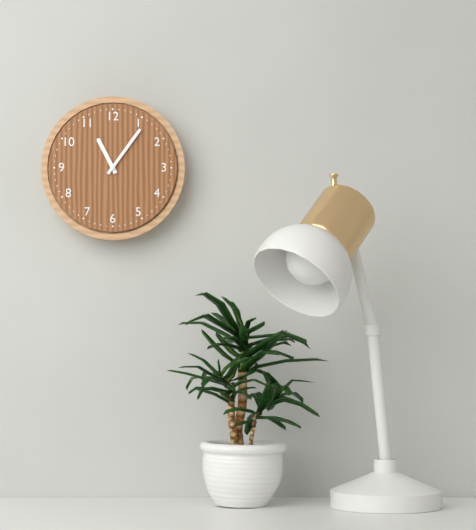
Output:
11 h 06 min
